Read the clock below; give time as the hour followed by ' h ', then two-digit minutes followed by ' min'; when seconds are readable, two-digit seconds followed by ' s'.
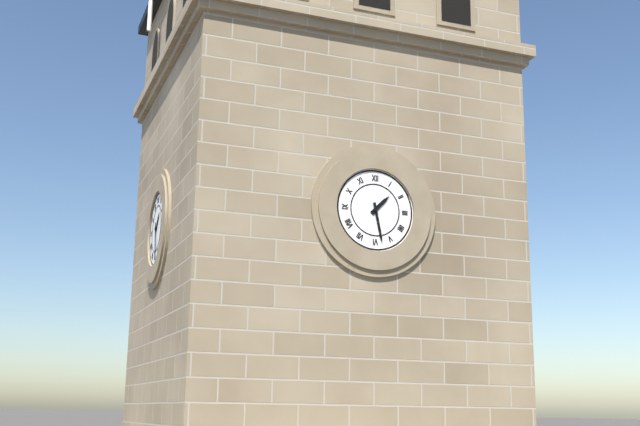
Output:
1 h 28 min
